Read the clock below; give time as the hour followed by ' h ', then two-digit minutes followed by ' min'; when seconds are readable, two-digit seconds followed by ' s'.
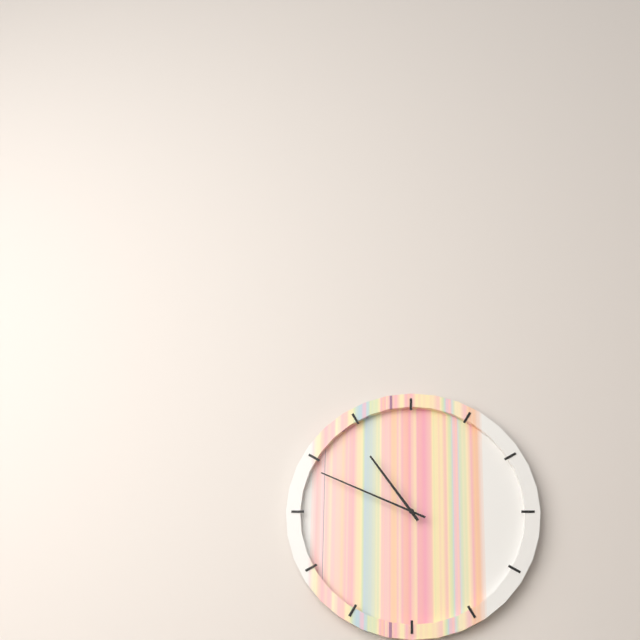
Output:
10 h 49 min
